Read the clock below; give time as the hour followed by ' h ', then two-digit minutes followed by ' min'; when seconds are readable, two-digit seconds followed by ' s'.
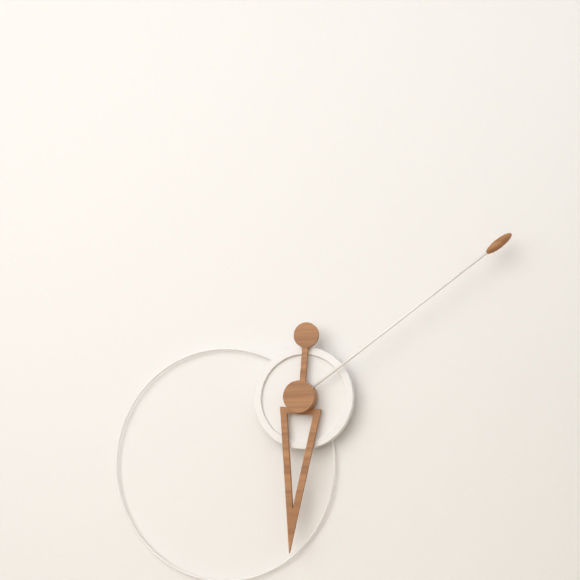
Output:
6 h 09 min
